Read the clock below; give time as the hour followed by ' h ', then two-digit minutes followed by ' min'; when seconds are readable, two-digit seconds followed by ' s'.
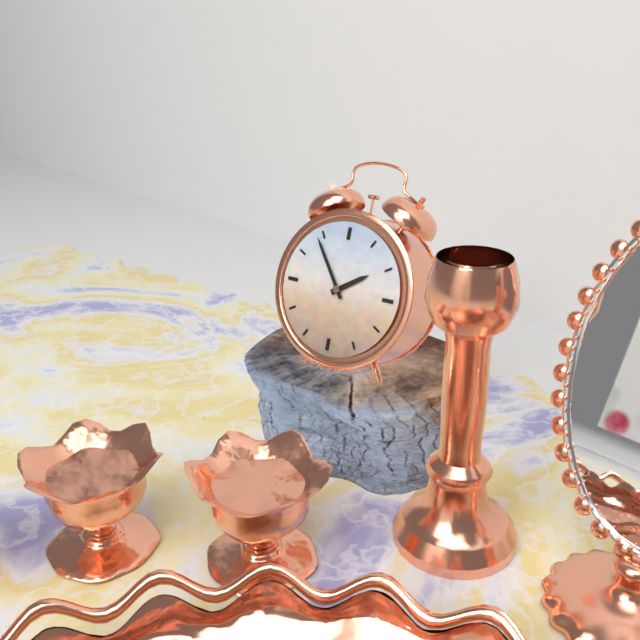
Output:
1 h 54 min
